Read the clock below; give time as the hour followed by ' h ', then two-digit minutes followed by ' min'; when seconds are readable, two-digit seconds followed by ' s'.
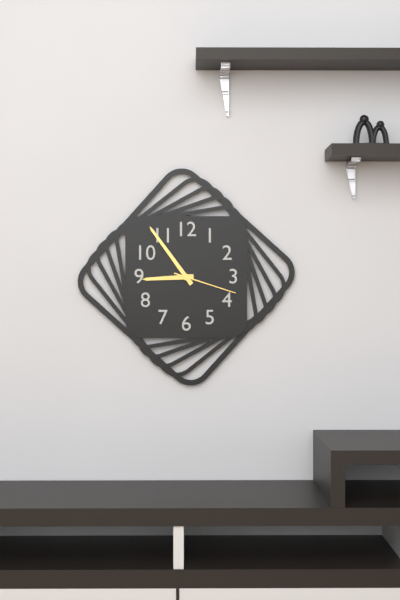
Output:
8 h 54 min 18 s
